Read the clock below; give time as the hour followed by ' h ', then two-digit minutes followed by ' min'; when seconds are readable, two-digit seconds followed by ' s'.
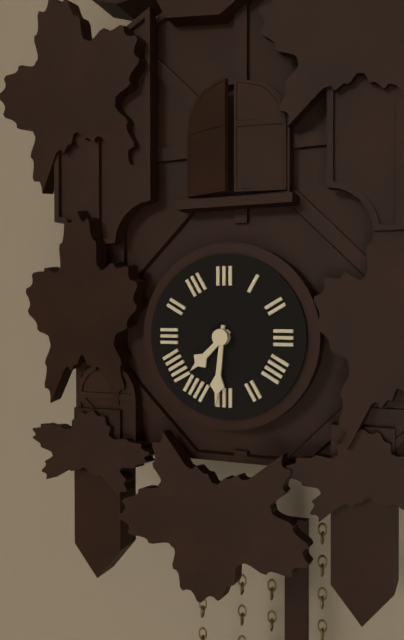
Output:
7 h 31 min
